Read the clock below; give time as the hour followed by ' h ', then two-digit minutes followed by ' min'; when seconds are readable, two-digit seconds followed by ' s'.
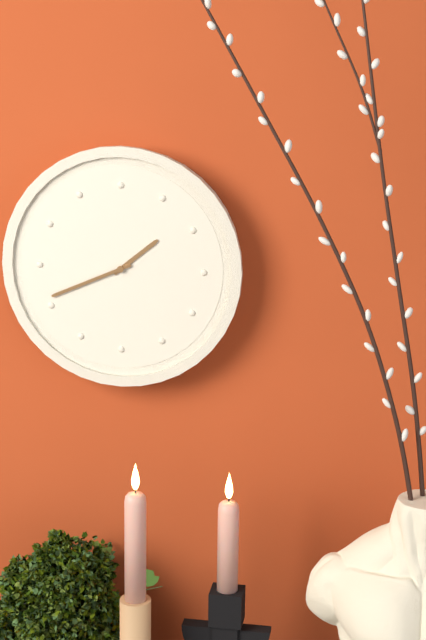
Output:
1 h 41 min
